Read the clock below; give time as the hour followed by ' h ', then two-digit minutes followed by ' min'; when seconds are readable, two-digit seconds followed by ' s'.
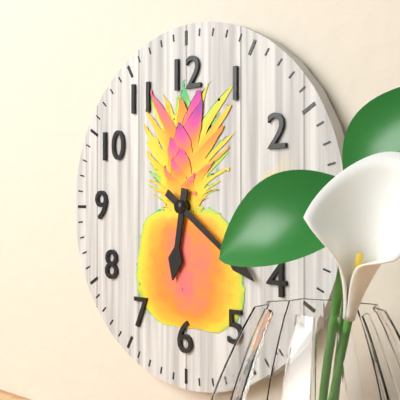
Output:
6 h 21 min
